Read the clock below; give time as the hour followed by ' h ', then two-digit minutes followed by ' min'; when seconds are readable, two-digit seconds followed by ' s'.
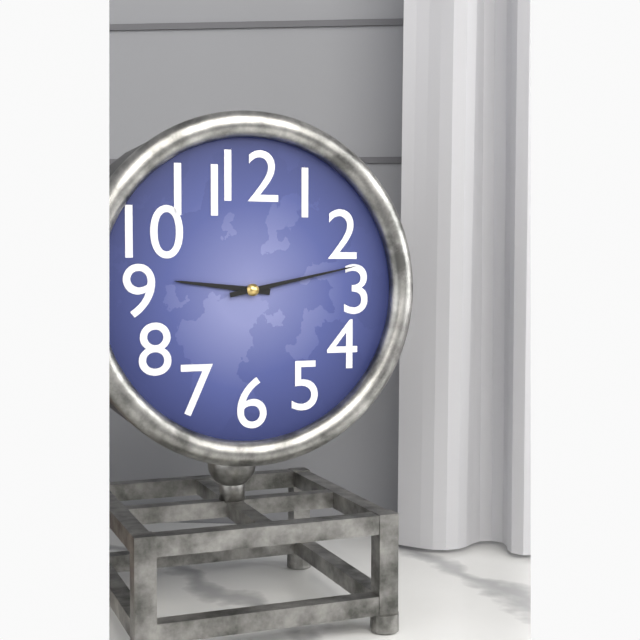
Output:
9 h 13 min
